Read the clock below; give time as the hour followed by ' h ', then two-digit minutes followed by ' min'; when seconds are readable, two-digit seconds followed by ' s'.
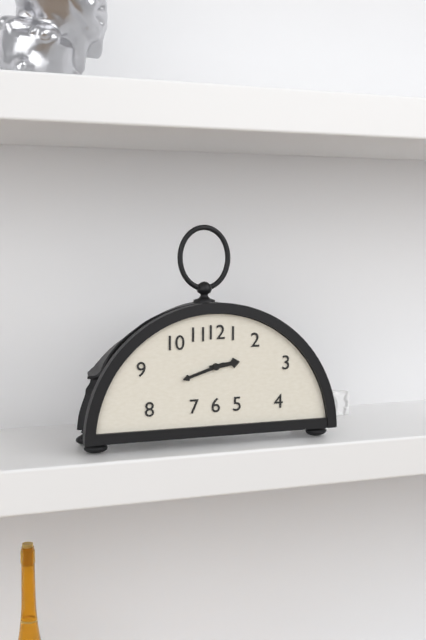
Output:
2 h 42 min
